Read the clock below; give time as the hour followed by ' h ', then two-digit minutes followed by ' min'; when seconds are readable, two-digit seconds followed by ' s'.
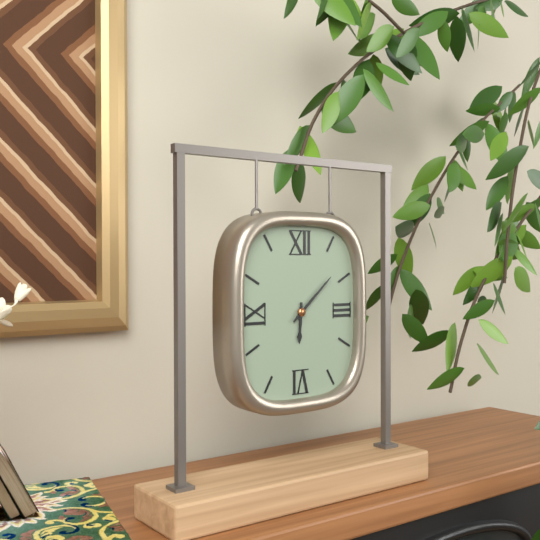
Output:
6 h 08 min
